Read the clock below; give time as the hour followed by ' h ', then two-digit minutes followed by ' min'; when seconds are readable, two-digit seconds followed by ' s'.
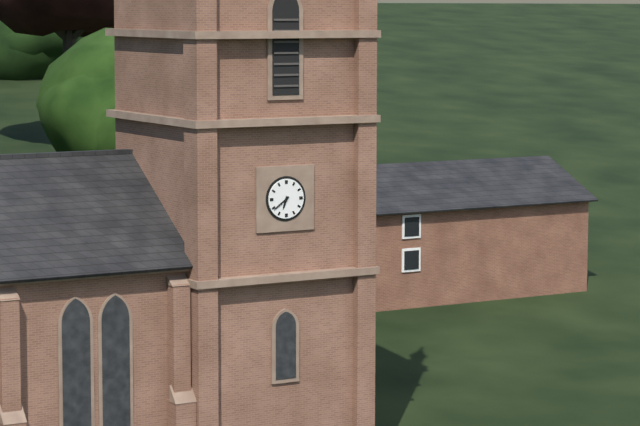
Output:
6 h 39 min
